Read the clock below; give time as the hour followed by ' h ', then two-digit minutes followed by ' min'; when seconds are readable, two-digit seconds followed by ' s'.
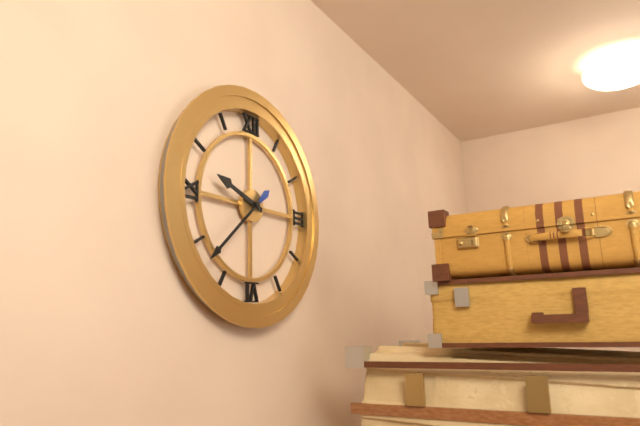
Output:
9 h 38 min
